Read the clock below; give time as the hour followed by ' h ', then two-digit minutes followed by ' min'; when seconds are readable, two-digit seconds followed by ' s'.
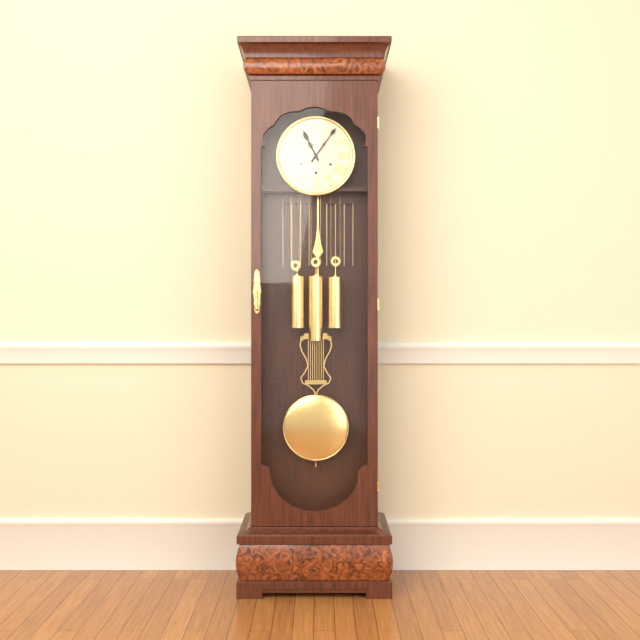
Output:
11 h 06 min
